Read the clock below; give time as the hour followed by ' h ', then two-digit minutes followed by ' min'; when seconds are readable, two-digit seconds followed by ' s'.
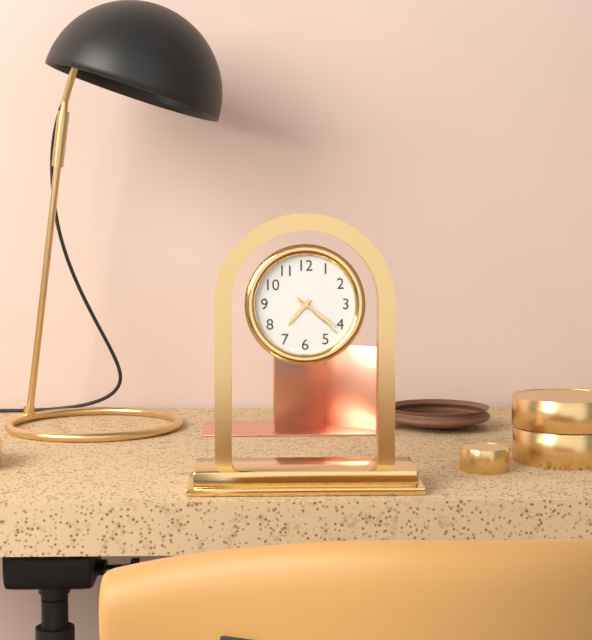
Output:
7 h 21 min 22 s
